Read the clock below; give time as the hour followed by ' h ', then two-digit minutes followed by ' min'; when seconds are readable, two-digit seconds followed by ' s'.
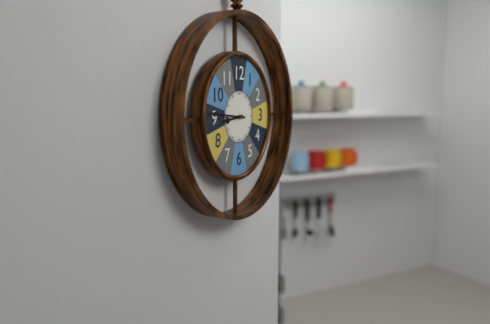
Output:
8 h 46 min
